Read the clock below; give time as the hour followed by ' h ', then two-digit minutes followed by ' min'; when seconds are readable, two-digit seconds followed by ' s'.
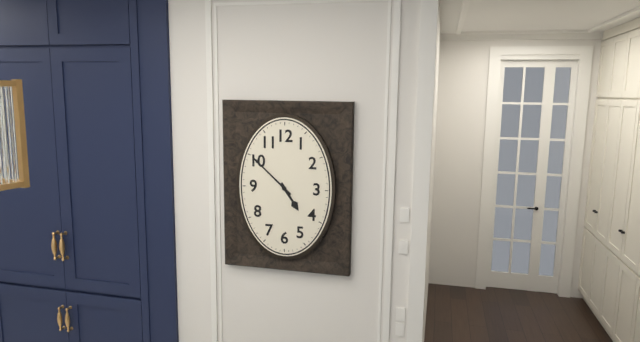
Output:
4 h 52 min
